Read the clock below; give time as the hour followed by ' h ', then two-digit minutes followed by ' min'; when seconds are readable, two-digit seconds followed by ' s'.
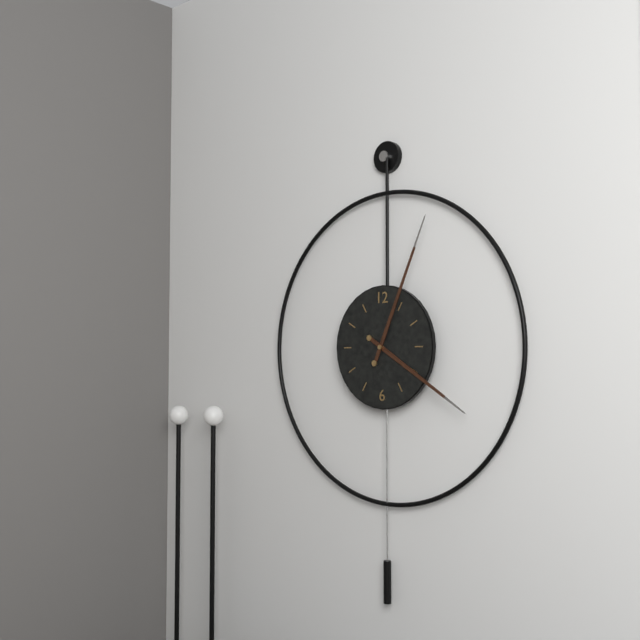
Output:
4 h 04 min
